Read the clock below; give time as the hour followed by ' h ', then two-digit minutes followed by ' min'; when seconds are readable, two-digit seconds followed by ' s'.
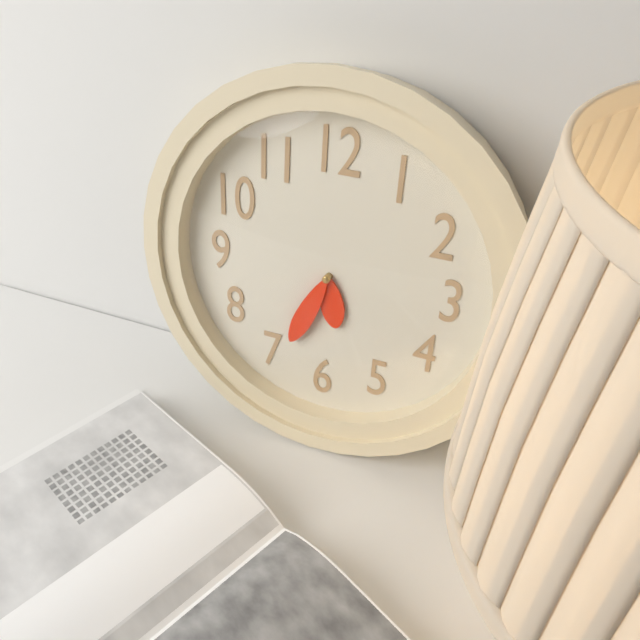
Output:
5 h 34 min
